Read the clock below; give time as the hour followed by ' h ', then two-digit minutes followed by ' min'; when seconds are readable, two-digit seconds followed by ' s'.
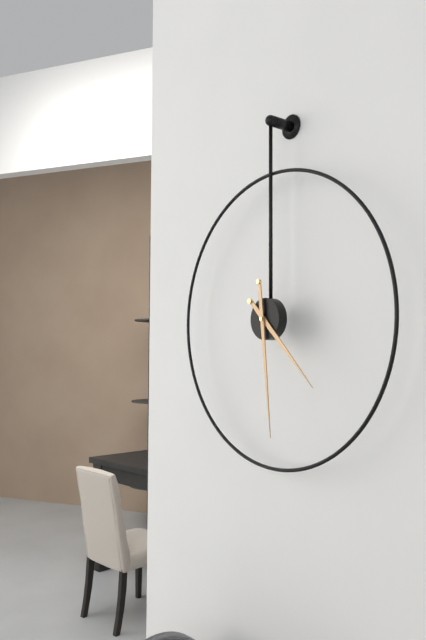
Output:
4 h 29 min
